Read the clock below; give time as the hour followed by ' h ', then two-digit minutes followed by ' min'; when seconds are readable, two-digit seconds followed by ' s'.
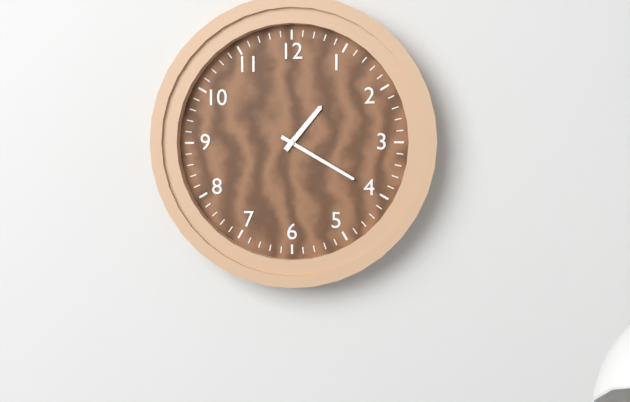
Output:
1 h 20 min
